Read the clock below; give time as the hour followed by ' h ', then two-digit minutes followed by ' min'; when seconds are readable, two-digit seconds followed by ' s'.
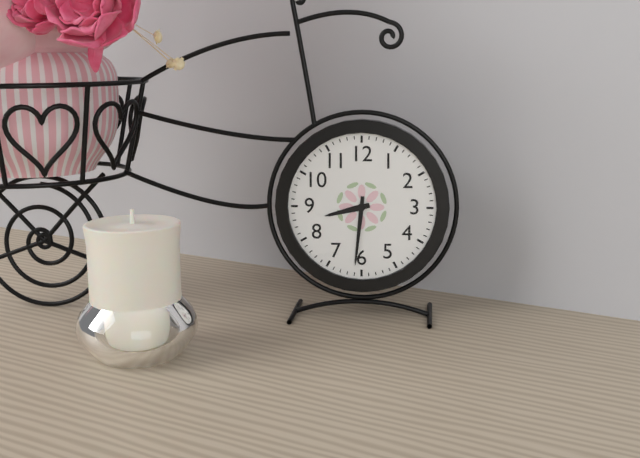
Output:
8 h 31 min
